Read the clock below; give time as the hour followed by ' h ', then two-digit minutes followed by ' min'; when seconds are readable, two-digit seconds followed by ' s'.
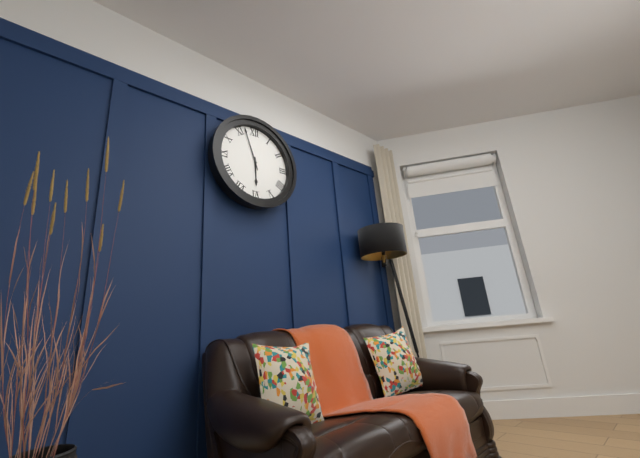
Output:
5 h 57 min
